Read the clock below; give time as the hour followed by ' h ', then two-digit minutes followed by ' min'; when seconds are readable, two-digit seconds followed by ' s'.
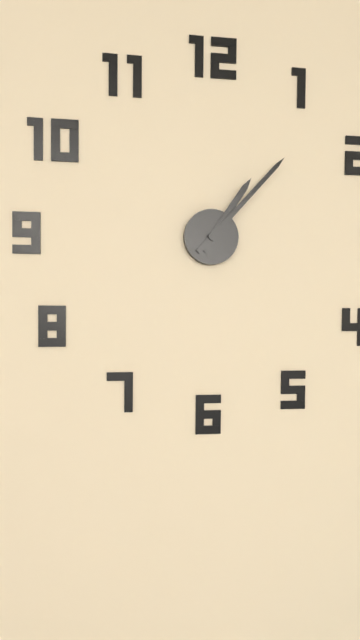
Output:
1 h 07 min
